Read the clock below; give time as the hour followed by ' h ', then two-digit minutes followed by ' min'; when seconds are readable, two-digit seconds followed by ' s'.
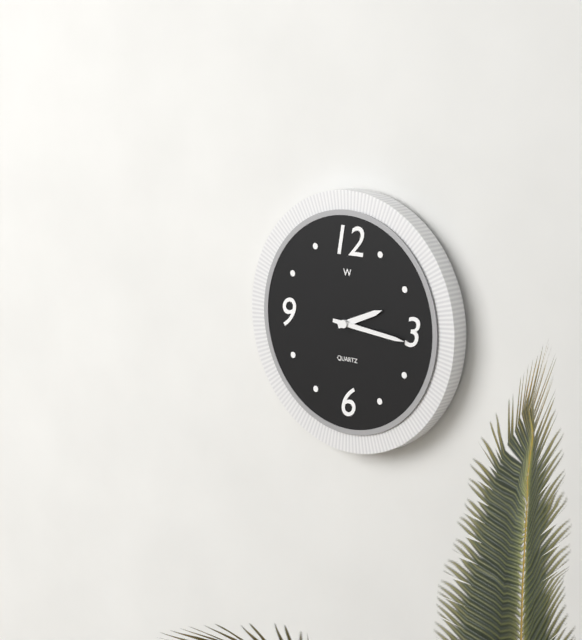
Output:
2 h 16 min
